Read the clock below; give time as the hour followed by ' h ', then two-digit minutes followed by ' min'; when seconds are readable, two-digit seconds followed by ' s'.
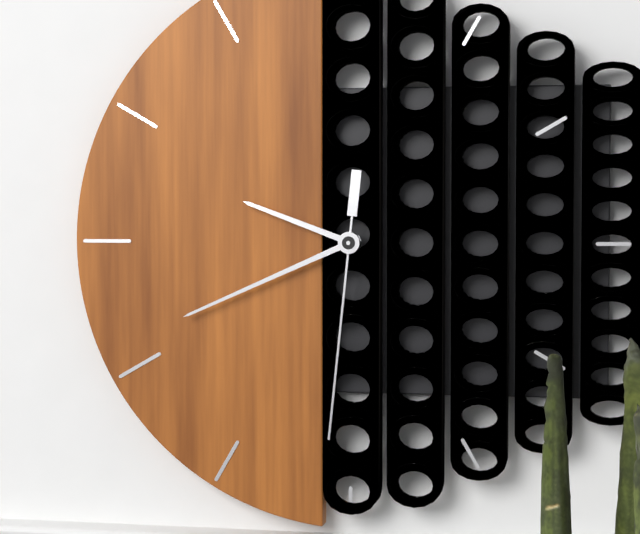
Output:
9 h 41 min 31 s
